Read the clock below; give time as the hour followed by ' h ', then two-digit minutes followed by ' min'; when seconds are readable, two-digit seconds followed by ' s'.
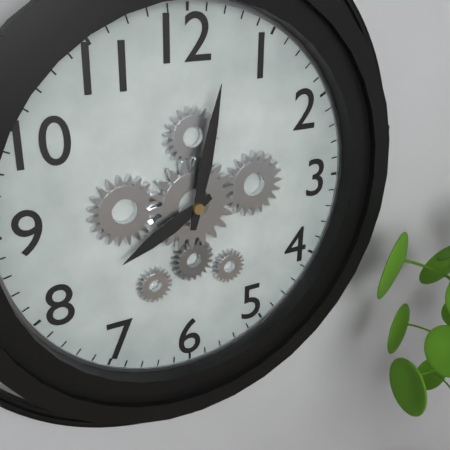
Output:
8 h 02 min
